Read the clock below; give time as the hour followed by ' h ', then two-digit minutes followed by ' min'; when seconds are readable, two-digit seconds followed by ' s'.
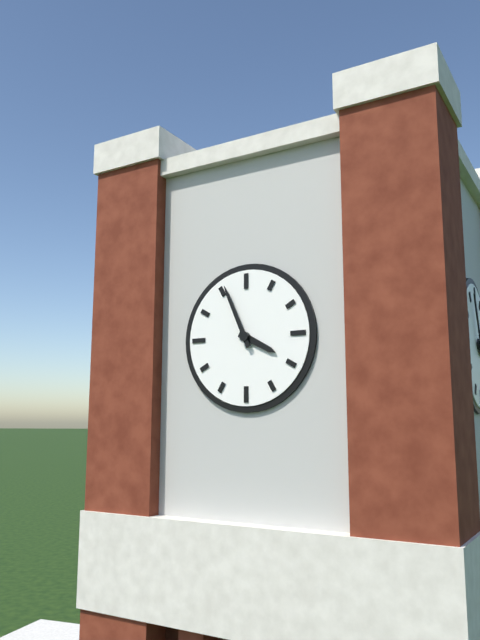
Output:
3 h 56 min
